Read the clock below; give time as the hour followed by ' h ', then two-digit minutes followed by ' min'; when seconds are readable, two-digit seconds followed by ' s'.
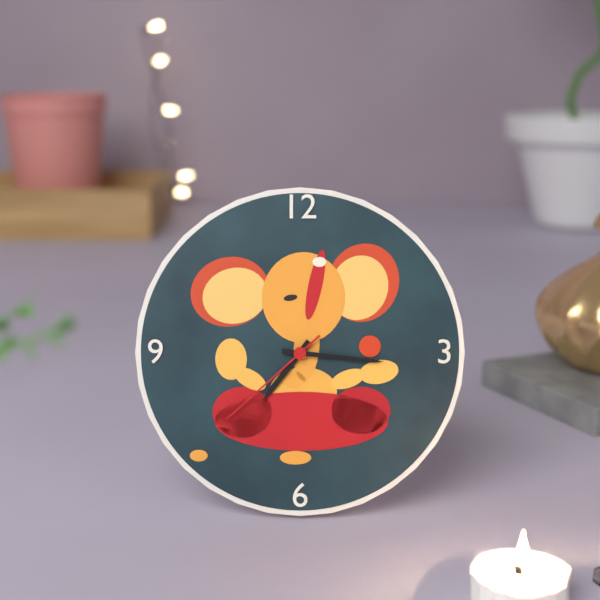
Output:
7 h 16 min 38 s
